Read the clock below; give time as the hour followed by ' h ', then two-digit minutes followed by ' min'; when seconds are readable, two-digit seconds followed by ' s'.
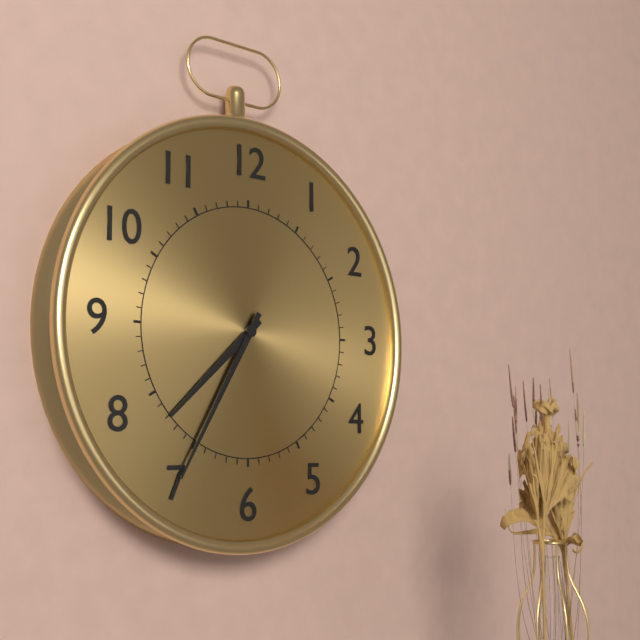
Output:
7 h 35 min
